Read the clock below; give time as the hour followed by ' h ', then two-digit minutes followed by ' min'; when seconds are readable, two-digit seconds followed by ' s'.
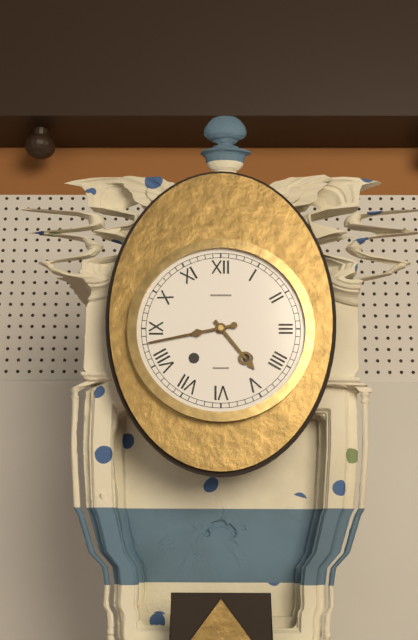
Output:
4 h 43 min
